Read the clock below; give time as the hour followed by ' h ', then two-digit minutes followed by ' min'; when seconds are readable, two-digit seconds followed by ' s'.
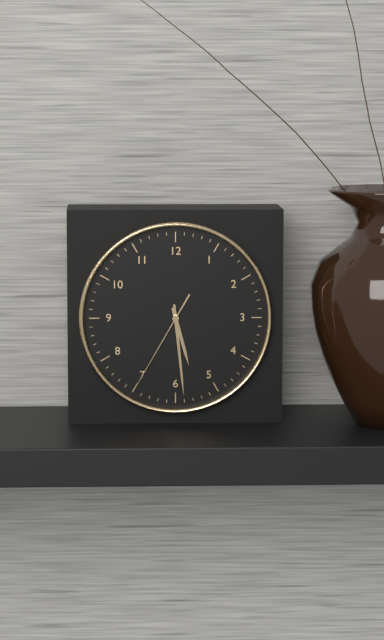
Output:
5 h 29 min 35 s
